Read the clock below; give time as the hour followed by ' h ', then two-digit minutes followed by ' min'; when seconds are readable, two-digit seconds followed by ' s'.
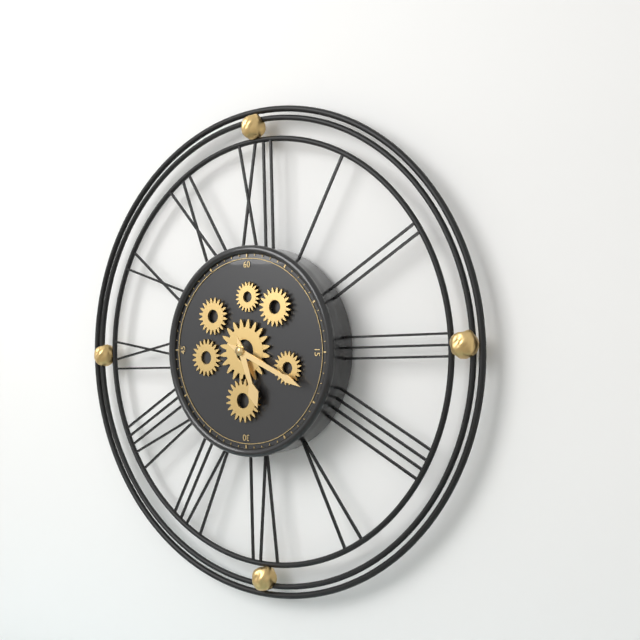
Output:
5 h 19 min
